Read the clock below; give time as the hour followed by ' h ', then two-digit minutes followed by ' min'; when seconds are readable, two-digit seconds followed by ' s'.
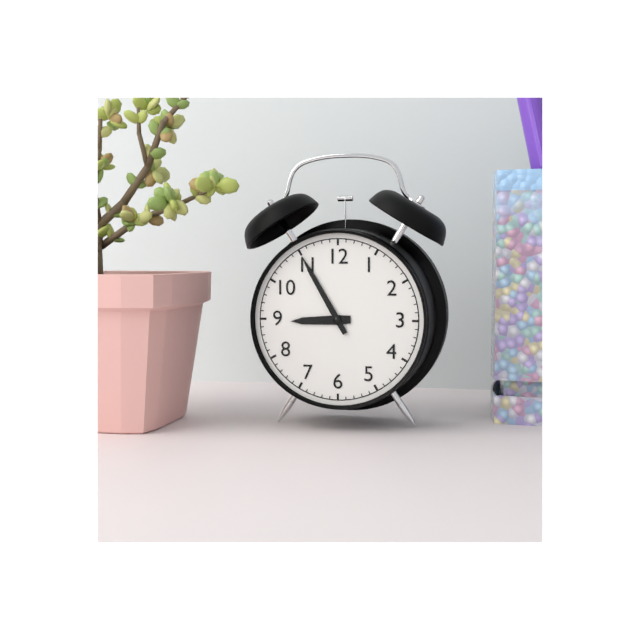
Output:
8 h 55 min
